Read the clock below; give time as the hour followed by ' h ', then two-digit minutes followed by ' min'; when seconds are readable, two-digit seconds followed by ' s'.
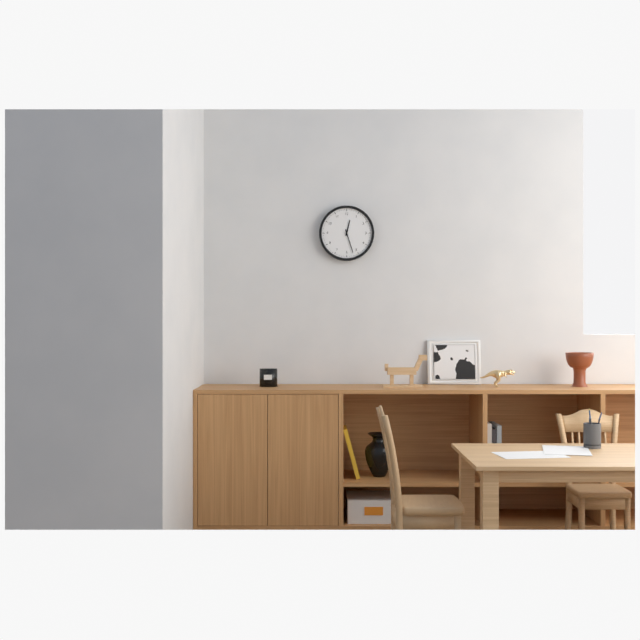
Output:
12 h 27 min
